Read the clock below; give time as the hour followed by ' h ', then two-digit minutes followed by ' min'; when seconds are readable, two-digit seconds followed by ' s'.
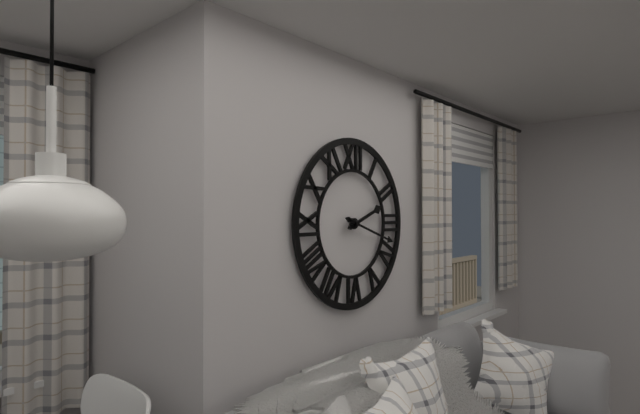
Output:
2 h 18 min
